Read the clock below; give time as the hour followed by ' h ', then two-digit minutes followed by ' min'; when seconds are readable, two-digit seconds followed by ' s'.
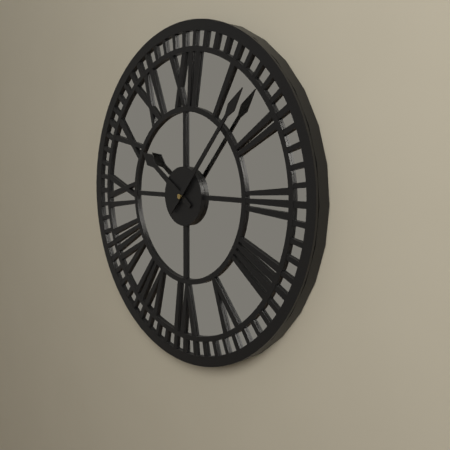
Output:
10 h 07 min
